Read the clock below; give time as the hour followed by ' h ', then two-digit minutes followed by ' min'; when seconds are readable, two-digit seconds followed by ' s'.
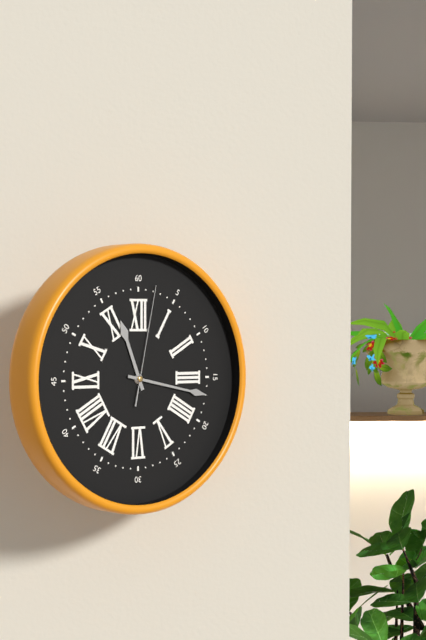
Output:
11 h 17 min 02 s
